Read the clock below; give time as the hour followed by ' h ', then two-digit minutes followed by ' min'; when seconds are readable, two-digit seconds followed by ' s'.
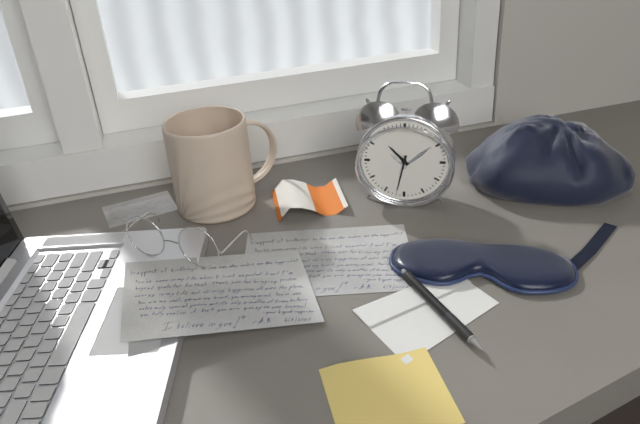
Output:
10 h 32 min
